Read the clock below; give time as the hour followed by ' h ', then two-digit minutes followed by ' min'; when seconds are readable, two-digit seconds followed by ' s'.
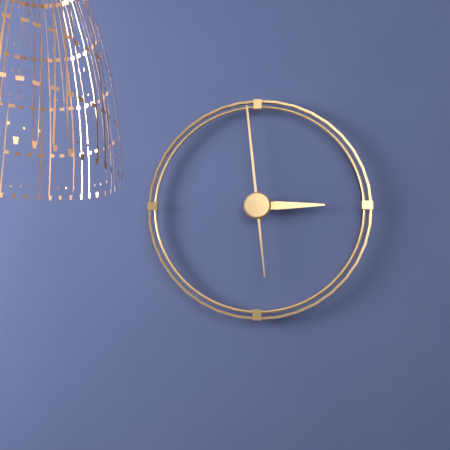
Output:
2 h 59 min
